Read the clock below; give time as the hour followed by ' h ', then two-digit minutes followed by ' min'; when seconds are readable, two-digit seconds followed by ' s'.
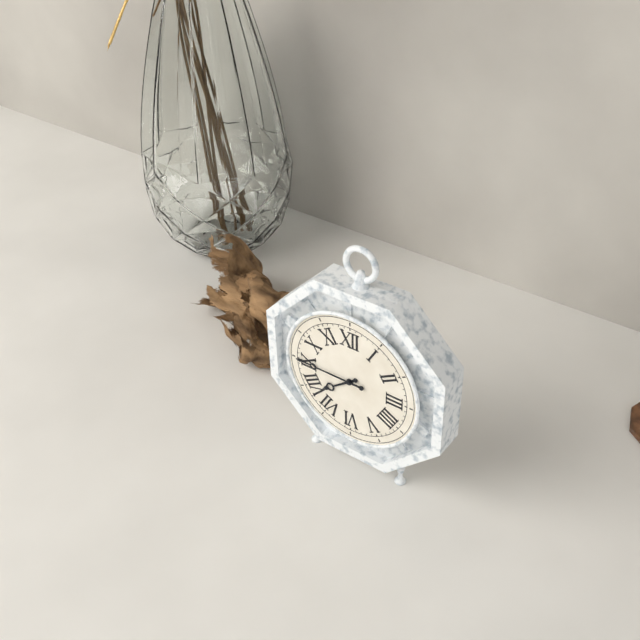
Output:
7 h 45 min
